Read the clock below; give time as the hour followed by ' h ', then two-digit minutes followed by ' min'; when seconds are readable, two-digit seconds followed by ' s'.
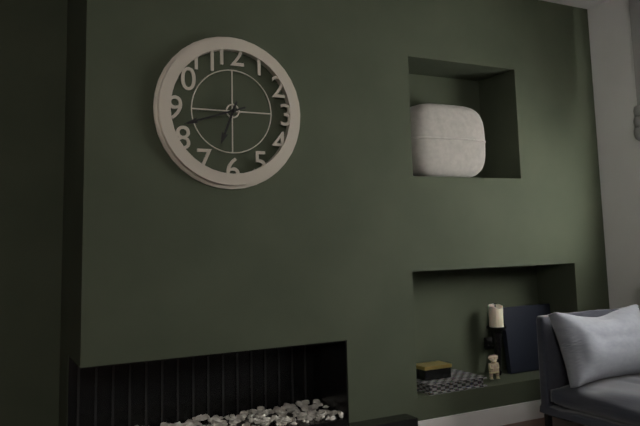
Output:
6 h 42 min
